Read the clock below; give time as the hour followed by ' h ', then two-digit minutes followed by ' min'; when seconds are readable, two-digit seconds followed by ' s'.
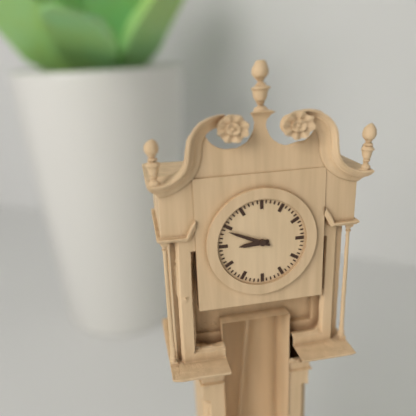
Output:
8 h 49 min
